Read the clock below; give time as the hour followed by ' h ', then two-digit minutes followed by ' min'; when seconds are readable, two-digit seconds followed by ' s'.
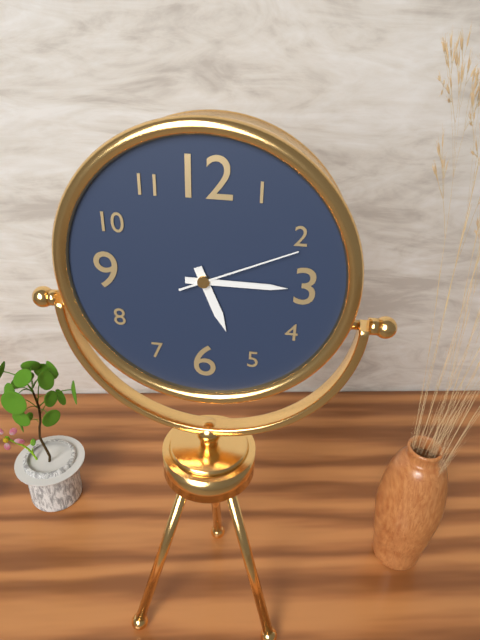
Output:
5 h 15 min 11 s
